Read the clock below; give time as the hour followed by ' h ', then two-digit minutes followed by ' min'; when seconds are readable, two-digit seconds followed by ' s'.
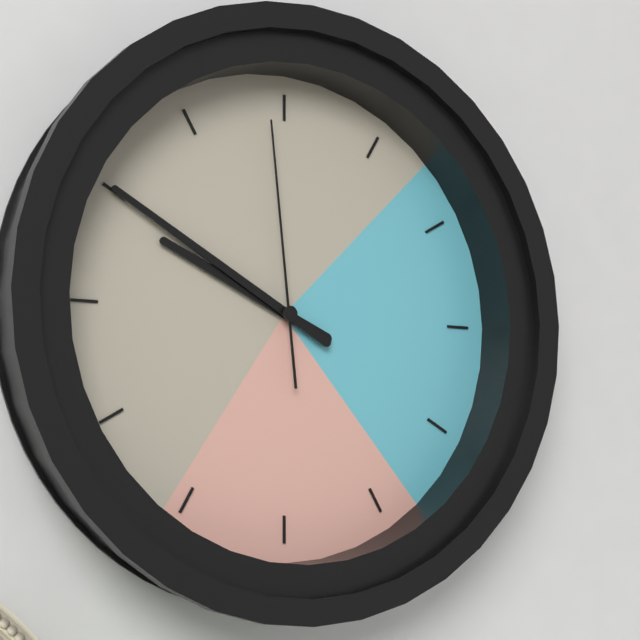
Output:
9 h 50 min 59 s
